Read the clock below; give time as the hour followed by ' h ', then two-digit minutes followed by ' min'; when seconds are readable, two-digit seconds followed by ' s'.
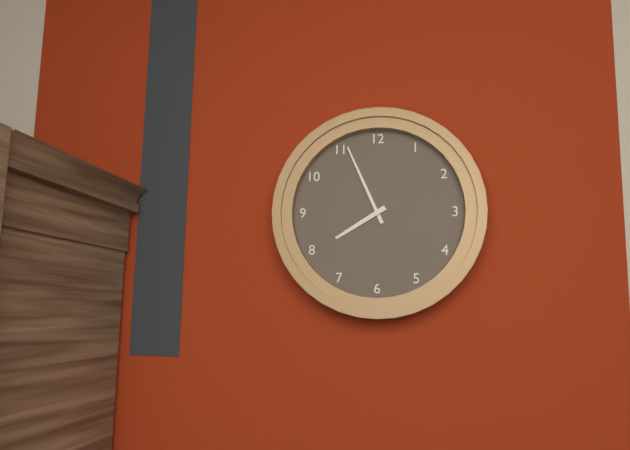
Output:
7 h 56 min
